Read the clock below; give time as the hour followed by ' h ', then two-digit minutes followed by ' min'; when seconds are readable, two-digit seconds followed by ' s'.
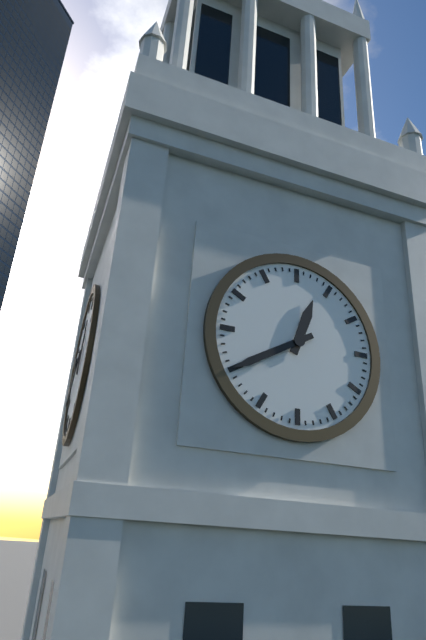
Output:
12 h 40 min
